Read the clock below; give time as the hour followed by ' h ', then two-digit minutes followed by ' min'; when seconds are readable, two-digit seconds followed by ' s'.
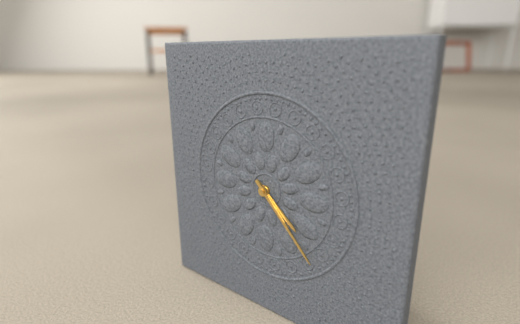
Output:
4 h 23 min
